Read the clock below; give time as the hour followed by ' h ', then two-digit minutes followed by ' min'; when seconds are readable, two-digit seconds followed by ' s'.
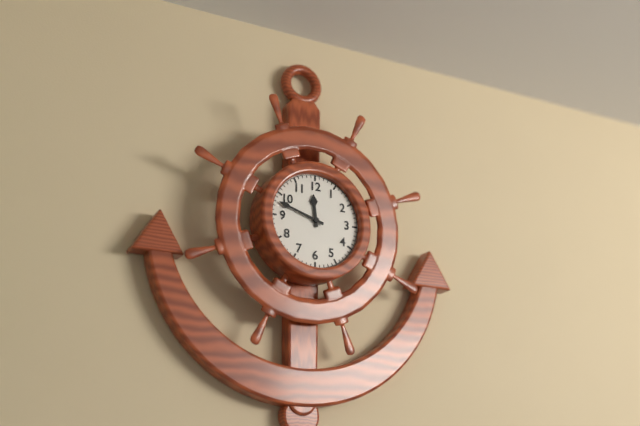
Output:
11 h 48 min
